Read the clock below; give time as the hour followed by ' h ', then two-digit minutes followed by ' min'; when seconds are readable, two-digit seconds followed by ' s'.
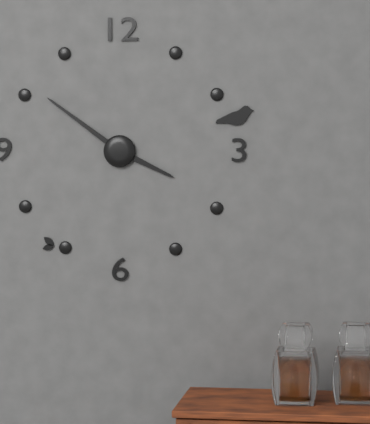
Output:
3 h 51 min
